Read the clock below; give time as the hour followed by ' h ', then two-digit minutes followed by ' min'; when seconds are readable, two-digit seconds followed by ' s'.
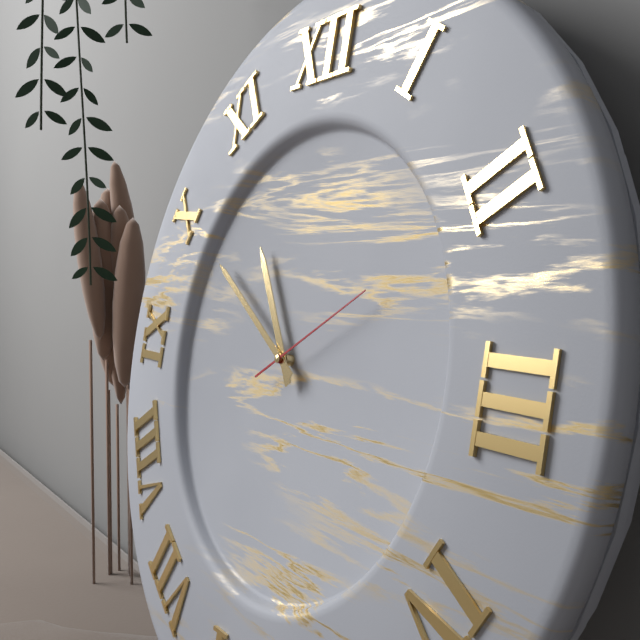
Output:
10 h 50 min 10 s
